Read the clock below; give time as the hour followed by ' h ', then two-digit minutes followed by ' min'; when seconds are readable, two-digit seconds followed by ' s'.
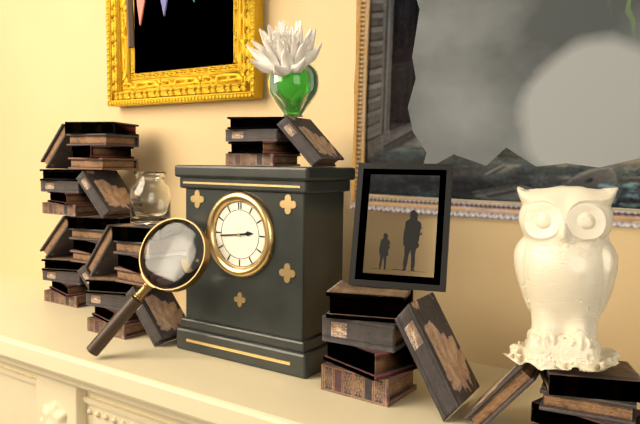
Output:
2 h 44 min
